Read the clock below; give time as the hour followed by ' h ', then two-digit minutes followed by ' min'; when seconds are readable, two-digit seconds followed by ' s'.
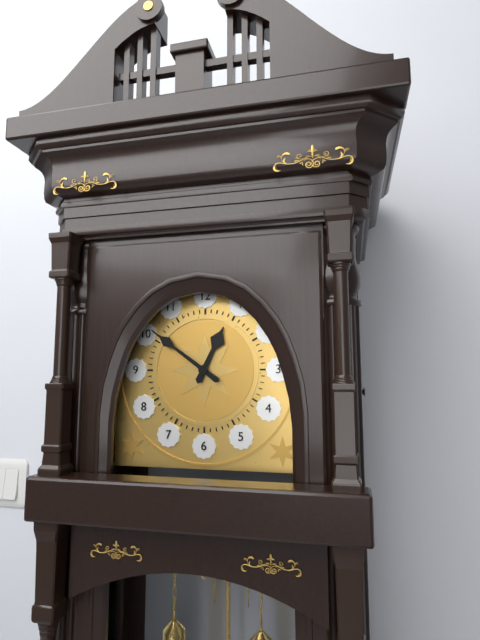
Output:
12 h 51 min
